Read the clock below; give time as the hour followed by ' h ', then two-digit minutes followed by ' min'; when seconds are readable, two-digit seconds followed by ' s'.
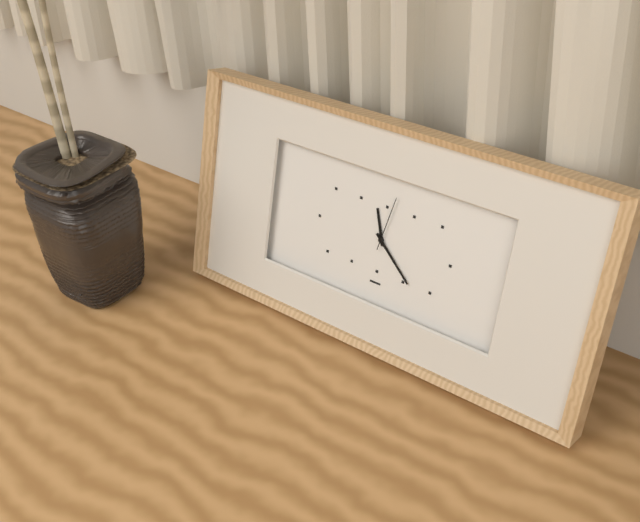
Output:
11 h 22 min 02 s
